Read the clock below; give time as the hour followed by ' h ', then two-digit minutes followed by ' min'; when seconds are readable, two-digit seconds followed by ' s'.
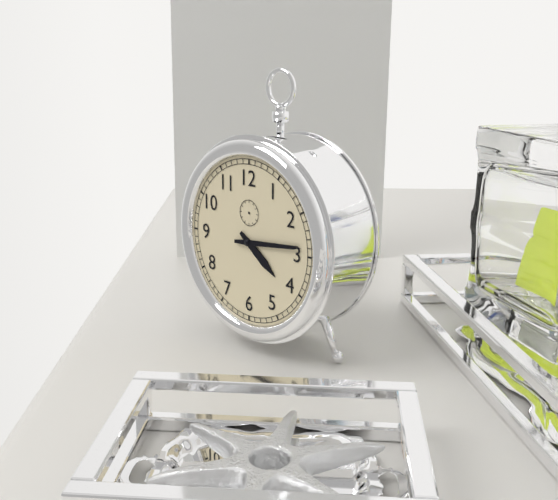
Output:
4 h 14 min
